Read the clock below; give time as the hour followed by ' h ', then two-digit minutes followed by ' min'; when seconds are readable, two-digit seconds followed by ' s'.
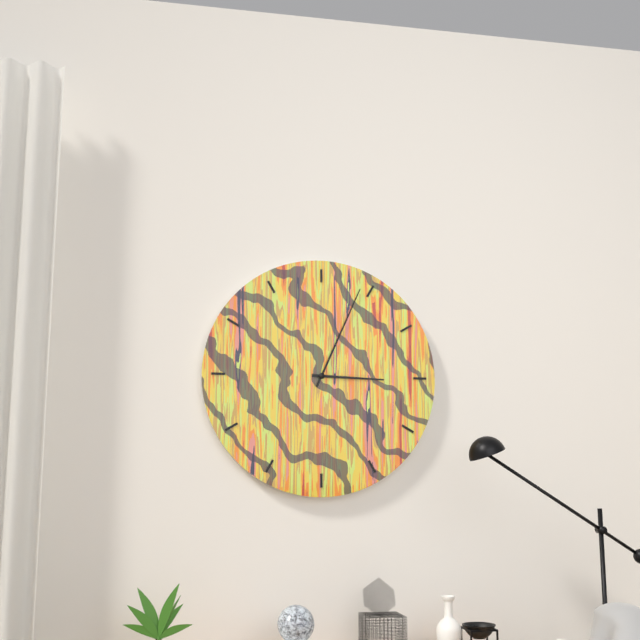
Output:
3 h 04 min
